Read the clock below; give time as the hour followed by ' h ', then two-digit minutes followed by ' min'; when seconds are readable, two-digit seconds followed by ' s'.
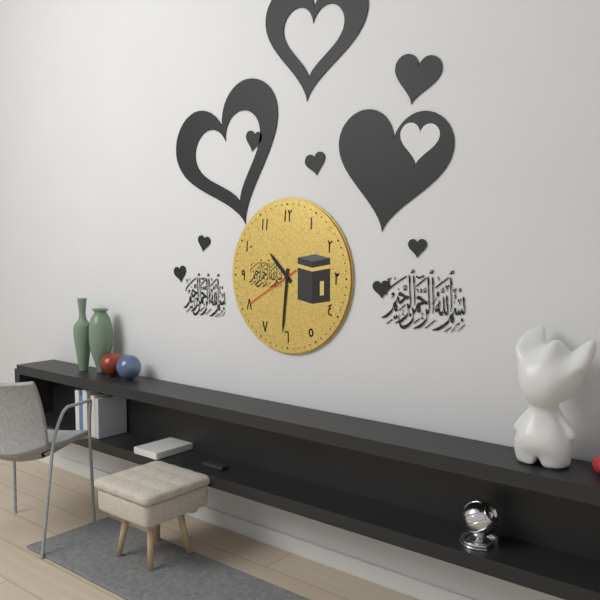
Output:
10 h 31 min 40 s
